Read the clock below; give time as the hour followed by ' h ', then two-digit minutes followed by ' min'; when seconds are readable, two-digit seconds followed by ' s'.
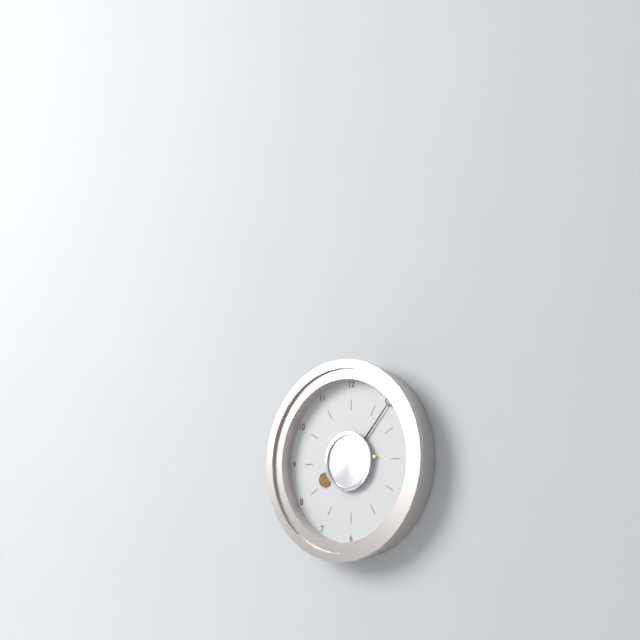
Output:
8 h 07 min
